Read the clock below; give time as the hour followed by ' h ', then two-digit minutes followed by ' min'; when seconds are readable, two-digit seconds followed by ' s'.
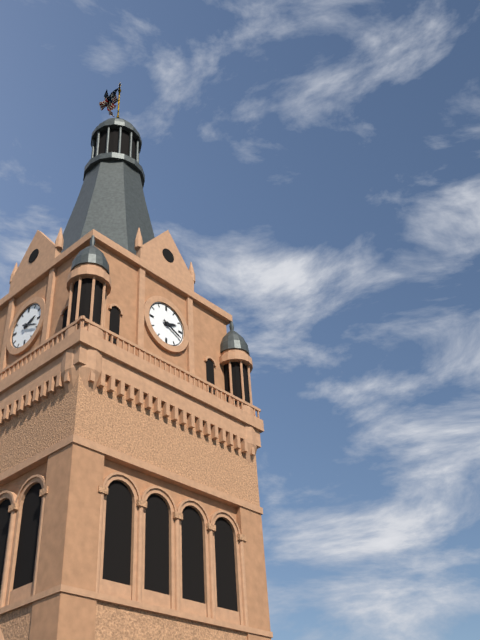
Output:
2 h 19 min
